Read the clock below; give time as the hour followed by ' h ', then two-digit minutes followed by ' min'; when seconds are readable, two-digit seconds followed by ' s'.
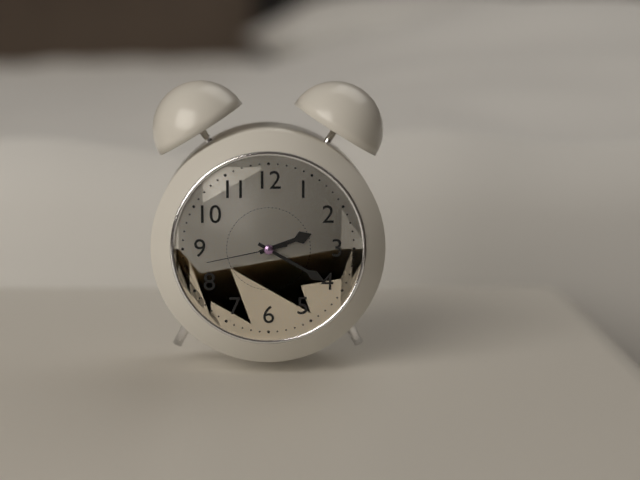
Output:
2 h 20 min 43 s
